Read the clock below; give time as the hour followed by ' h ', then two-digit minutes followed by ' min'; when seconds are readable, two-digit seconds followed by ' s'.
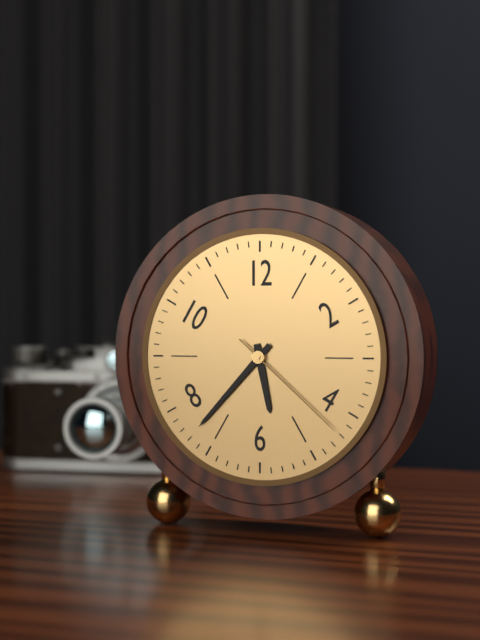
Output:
5 h 37 min 22 s
